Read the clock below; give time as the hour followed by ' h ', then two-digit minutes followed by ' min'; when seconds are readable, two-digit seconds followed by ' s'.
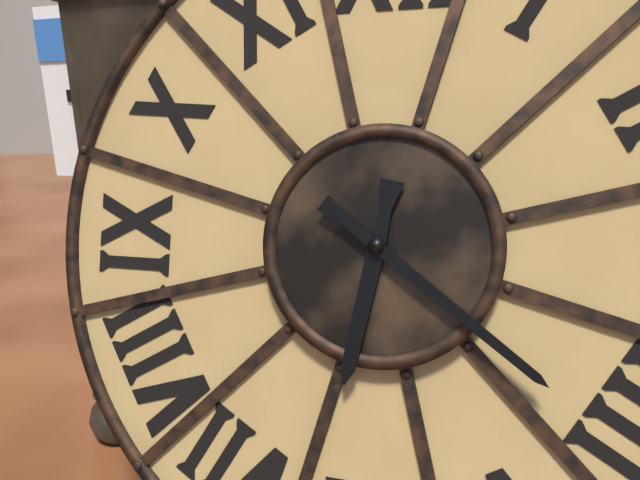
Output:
6 h 21 min
